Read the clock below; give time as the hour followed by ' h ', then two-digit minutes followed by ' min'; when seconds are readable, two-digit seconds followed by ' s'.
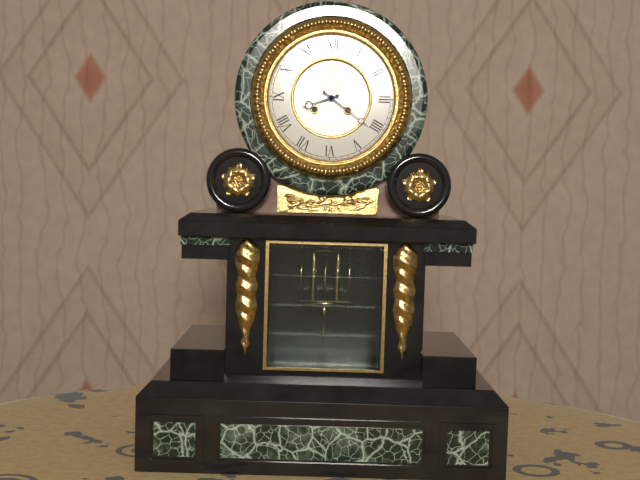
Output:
8 h 21 min
